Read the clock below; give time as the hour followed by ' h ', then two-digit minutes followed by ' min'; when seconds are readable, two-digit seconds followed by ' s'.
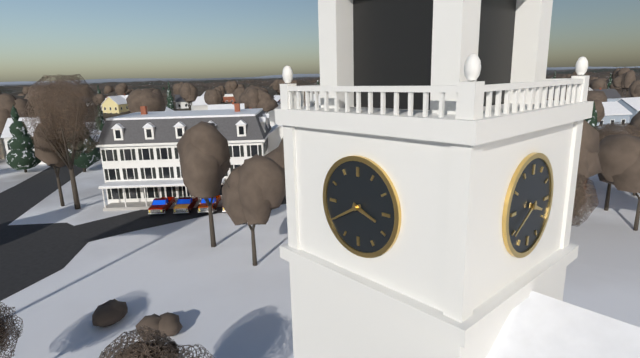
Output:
3 h 40 min
